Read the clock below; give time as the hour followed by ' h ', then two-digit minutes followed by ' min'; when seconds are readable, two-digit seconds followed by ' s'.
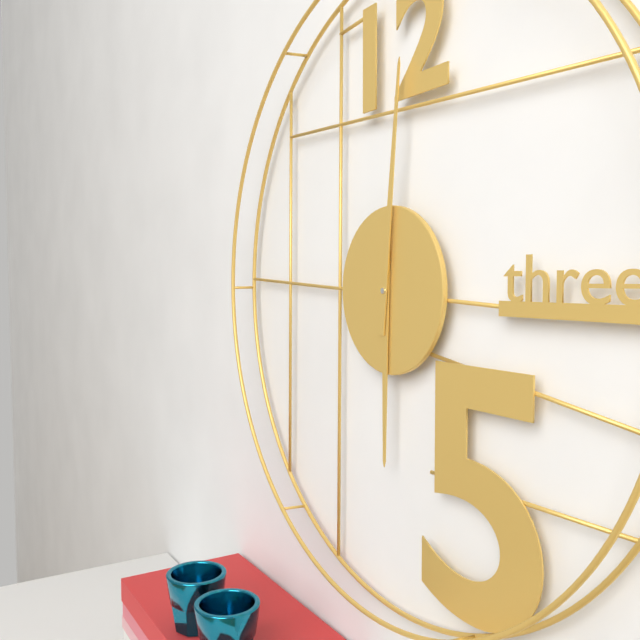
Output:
6 h 01 min
